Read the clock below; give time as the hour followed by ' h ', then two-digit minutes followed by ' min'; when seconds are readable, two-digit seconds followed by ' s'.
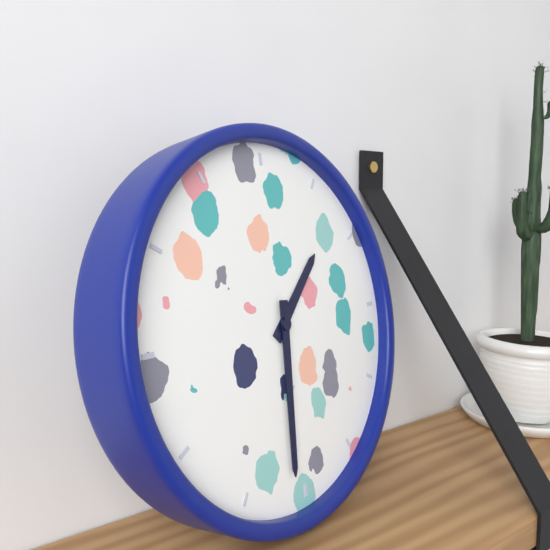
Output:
1 h 31 min
